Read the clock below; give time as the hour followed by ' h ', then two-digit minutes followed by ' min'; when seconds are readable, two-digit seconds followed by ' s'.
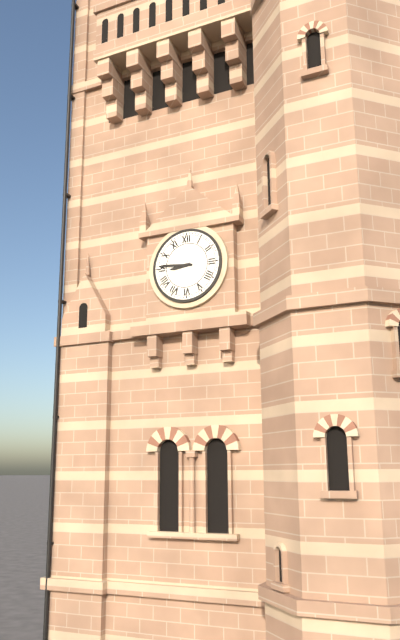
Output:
8 h 46 min
